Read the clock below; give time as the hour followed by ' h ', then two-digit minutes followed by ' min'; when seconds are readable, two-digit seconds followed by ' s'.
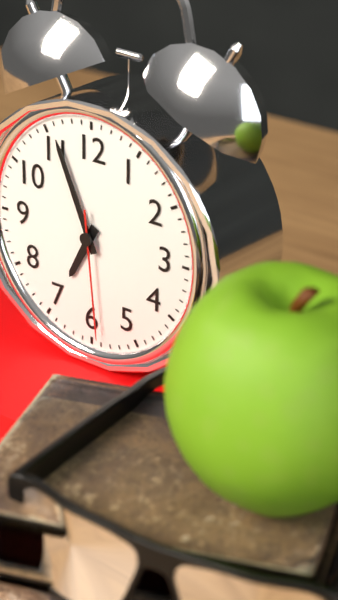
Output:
6 h 56 min 29 s
